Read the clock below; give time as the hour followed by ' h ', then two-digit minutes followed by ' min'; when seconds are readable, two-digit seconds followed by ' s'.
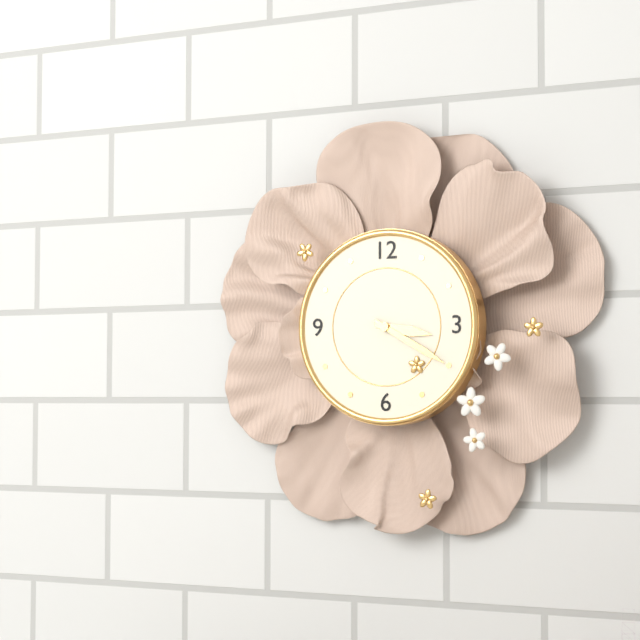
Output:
3 h 20 min
